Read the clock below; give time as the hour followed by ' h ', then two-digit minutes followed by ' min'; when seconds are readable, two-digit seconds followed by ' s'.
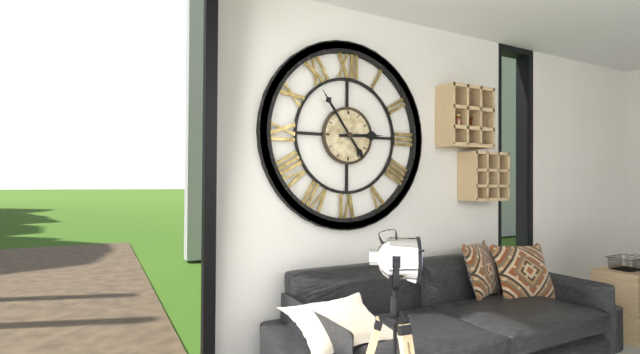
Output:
2 h 54 min
